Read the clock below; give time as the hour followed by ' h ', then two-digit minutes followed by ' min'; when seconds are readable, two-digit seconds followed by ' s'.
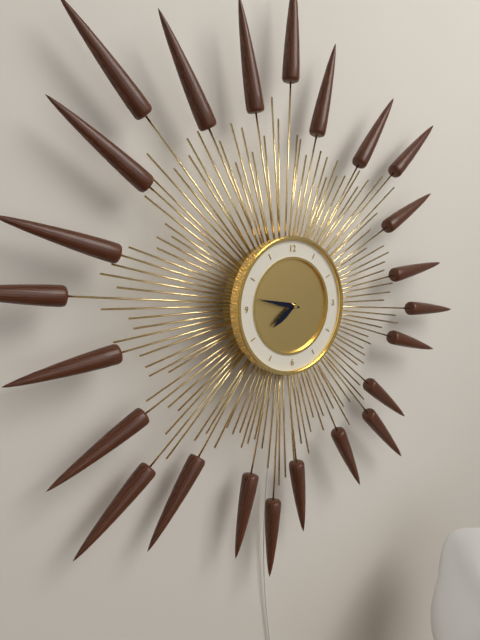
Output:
7 h 47 min
